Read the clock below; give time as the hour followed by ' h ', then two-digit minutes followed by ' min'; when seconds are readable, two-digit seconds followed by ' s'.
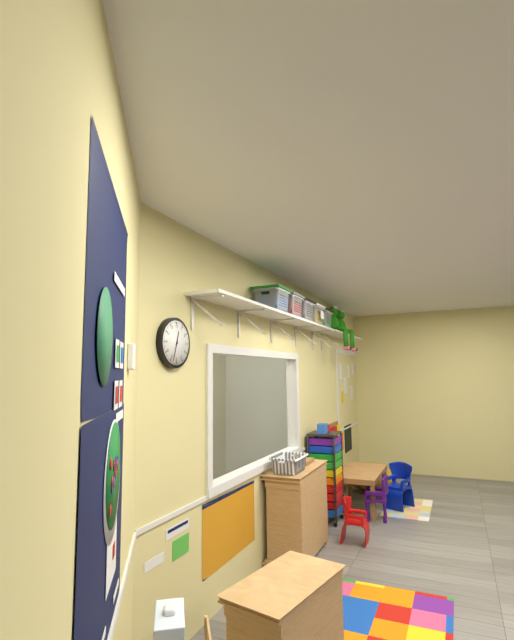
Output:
12 h 33 min
